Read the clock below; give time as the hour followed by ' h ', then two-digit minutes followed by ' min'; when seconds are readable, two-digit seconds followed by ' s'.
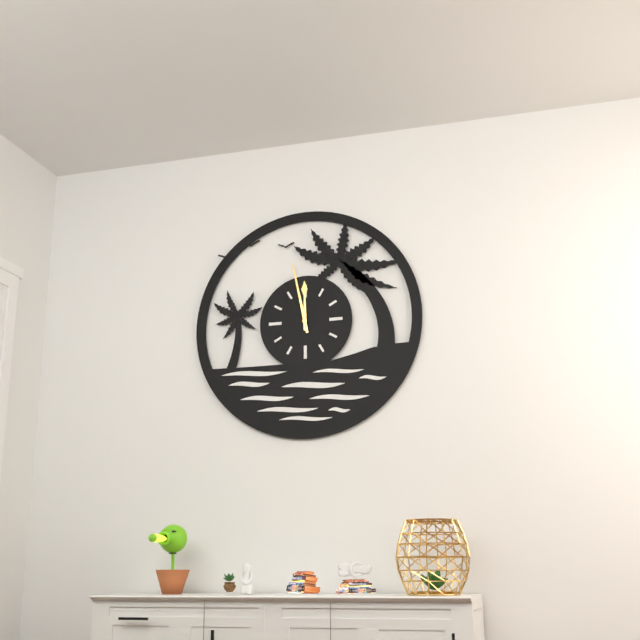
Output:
11 h 58 min
